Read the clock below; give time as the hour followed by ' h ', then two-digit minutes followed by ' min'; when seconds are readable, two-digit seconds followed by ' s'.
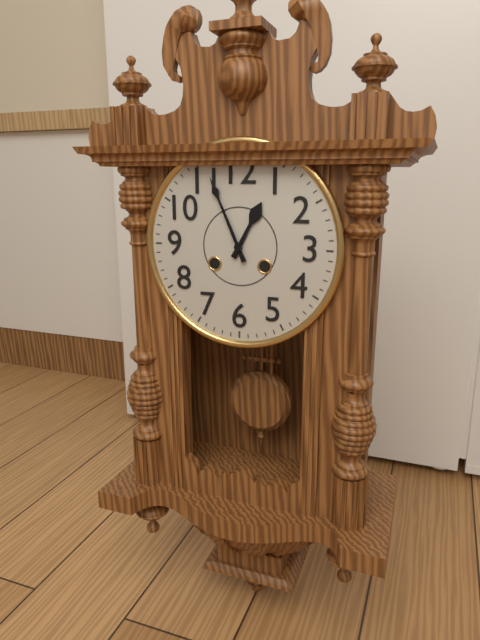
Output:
12 h 56 min
